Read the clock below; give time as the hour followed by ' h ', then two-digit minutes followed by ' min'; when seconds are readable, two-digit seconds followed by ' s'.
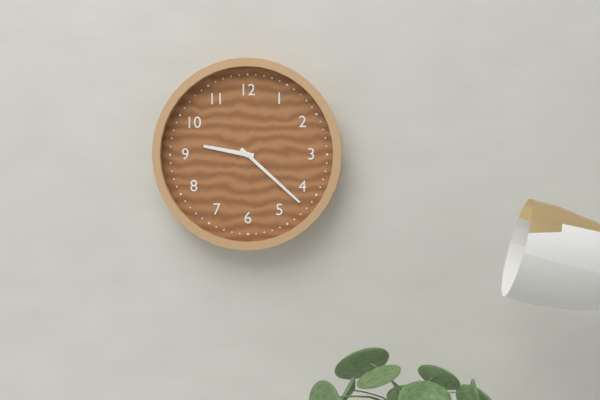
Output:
9 h 22 min
